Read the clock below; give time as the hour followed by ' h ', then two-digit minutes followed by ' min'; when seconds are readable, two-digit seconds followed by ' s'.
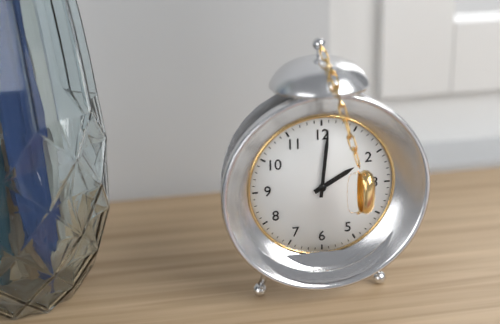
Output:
2 h 01 min
